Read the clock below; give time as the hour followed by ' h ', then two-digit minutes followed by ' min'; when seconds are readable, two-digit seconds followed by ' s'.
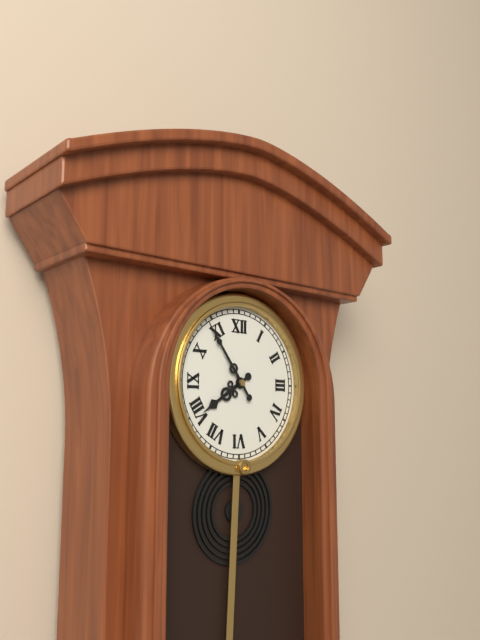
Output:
7 h 54 min
